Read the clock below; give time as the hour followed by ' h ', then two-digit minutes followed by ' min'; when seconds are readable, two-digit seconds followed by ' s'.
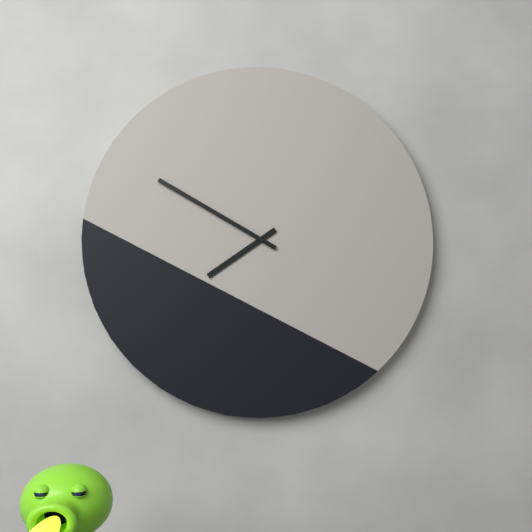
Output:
7 h 50 min
